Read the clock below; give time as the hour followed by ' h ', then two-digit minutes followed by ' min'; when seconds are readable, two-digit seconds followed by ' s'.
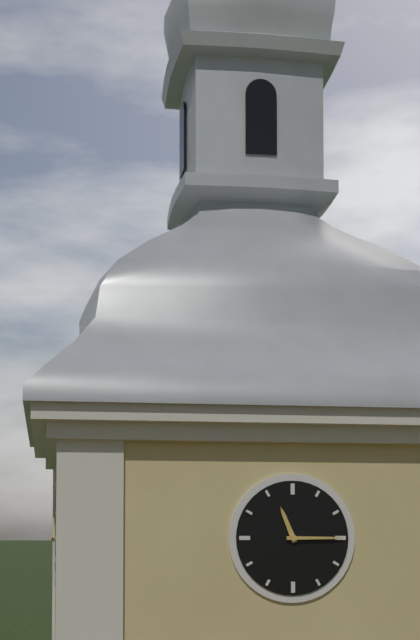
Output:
11 h 15 min
